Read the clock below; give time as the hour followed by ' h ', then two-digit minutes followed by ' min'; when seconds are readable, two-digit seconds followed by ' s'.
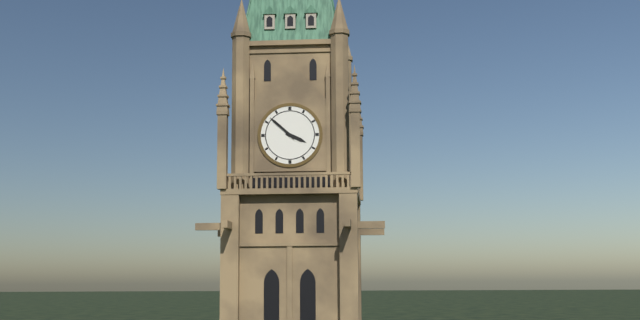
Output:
3 h 52 min
